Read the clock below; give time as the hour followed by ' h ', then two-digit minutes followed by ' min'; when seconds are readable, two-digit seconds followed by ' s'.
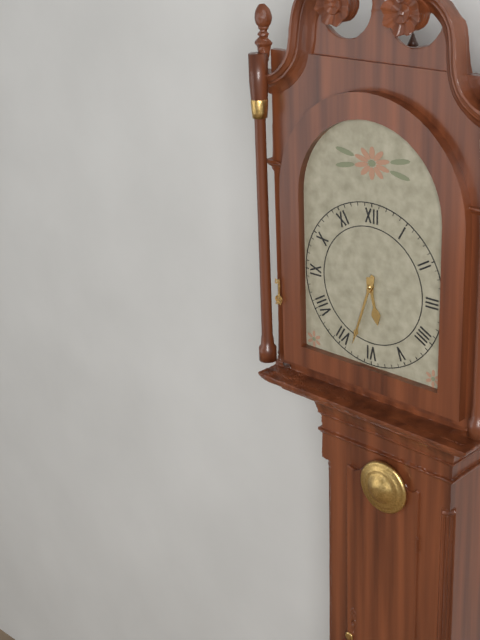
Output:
5 h 33 min
